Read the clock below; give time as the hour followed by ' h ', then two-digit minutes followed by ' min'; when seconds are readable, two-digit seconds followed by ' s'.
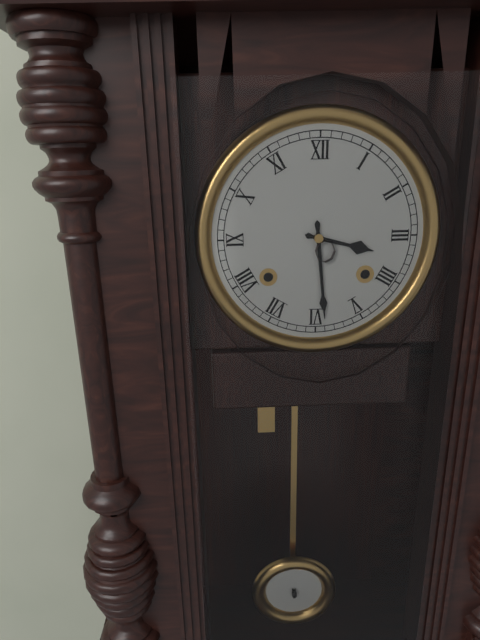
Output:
3 h 29 min
